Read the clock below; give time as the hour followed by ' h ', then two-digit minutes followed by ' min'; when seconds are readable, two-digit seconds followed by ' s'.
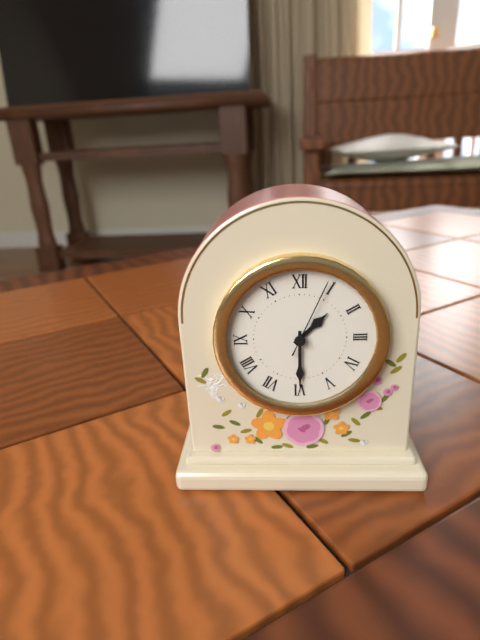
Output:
1 h 30 min 04 s
